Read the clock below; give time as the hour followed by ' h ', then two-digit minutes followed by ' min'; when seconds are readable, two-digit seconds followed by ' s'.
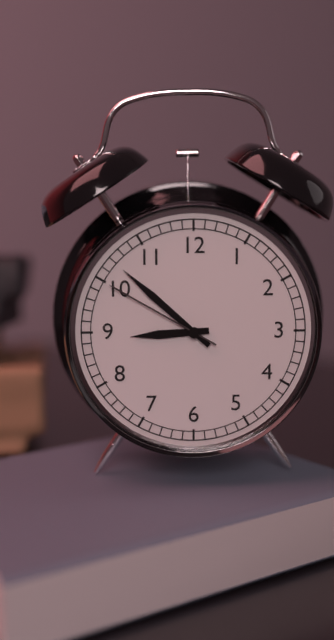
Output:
8 h 52 min 50 s
